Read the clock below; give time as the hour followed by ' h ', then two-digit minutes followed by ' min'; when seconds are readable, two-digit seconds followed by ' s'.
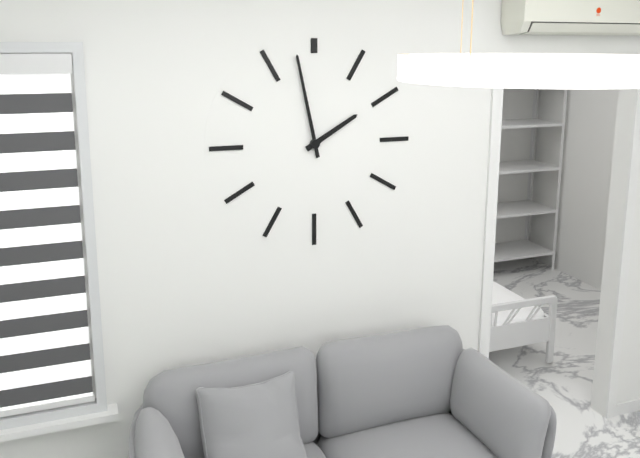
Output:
1 h 58 min
